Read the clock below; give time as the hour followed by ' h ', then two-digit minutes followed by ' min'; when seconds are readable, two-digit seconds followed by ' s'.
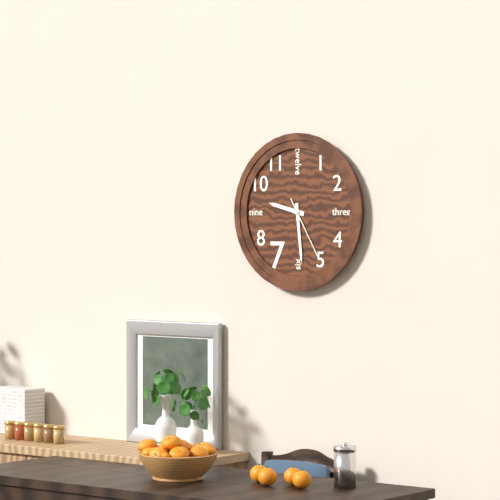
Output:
9 h 29 min 25 s
